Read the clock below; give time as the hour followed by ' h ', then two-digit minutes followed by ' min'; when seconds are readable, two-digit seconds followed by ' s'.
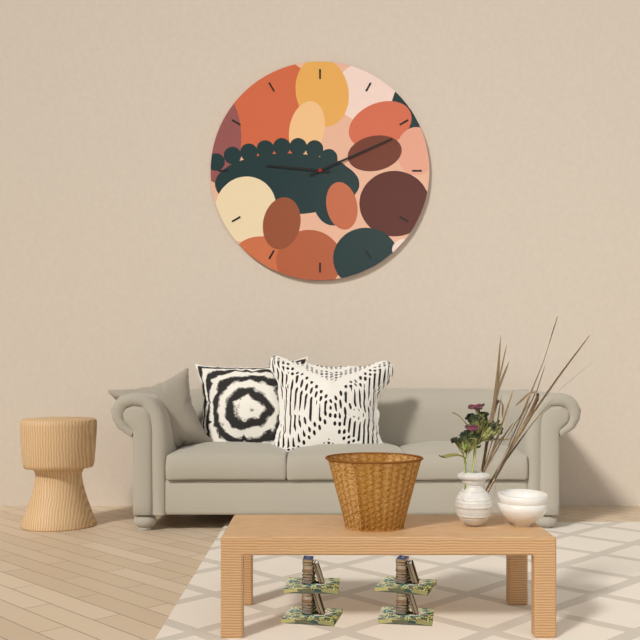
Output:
9 h 11 min
